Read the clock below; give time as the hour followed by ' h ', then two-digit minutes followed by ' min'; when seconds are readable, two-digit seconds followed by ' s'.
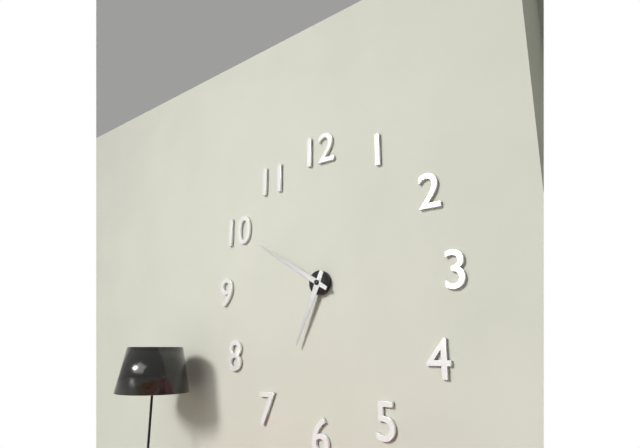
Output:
6 h 50 min
